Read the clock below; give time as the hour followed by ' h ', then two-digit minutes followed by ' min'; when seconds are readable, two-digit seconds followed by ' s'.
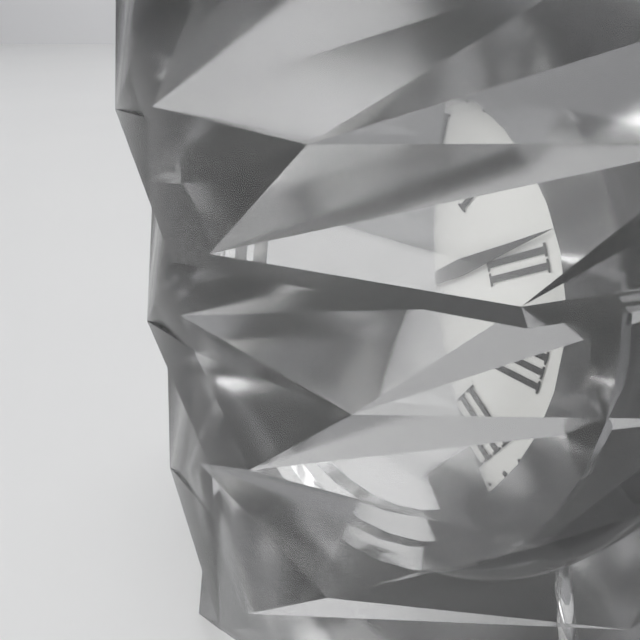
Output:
12 h 09 min 49 s
